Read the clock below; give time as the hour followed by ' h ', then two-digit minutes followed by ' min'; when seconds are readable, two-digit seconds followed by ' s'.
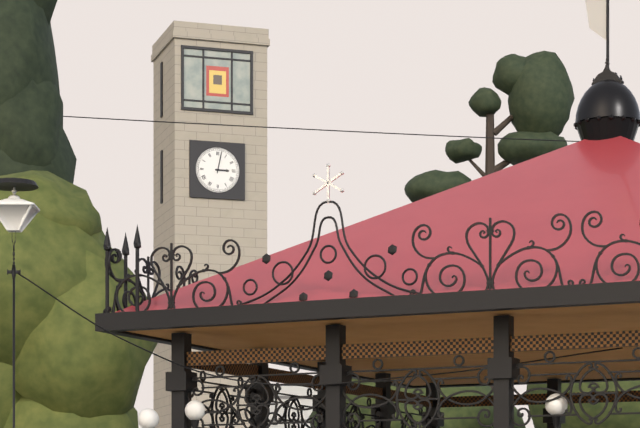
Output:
3 h 02 min
